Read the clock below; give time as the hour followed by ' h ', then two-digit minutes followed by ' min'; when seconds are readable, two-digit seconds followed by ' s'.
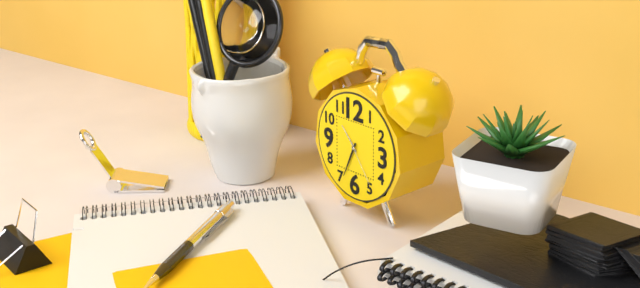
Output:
10 h 34 min 24 s
